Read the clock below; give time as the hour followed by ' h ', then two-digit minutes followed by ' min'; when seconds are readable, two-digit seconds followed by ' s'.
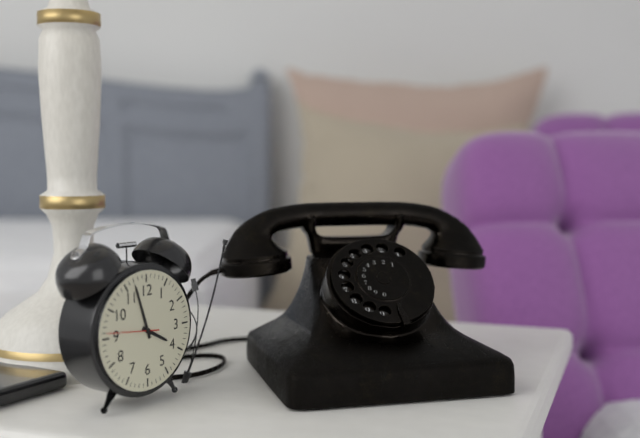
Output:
3 h 57 min 46 s
